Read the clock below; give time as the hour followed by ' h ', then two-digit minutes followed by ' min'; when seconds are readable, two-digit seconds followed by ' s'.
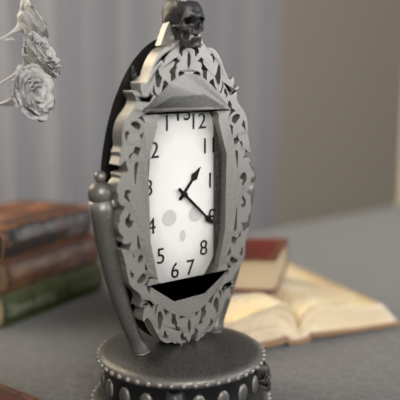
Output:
1 h 22 min
